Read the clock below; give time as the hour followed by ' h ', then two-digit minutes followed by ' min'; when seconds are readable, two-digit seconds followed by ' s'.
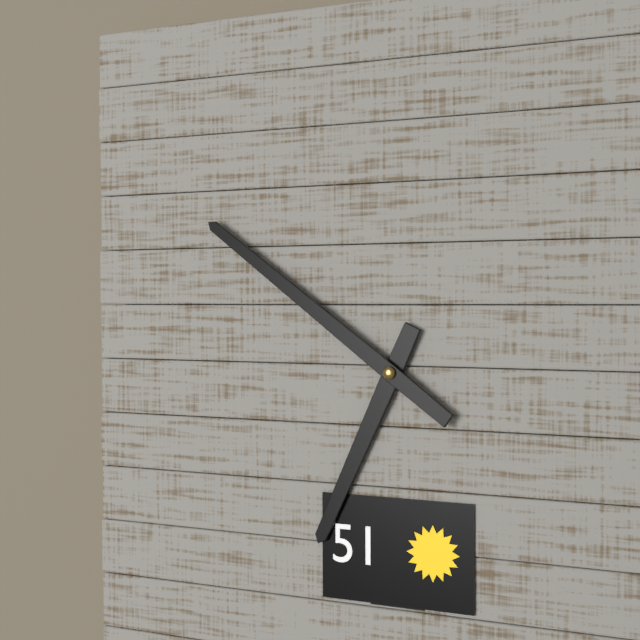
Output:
6 h 51 min
